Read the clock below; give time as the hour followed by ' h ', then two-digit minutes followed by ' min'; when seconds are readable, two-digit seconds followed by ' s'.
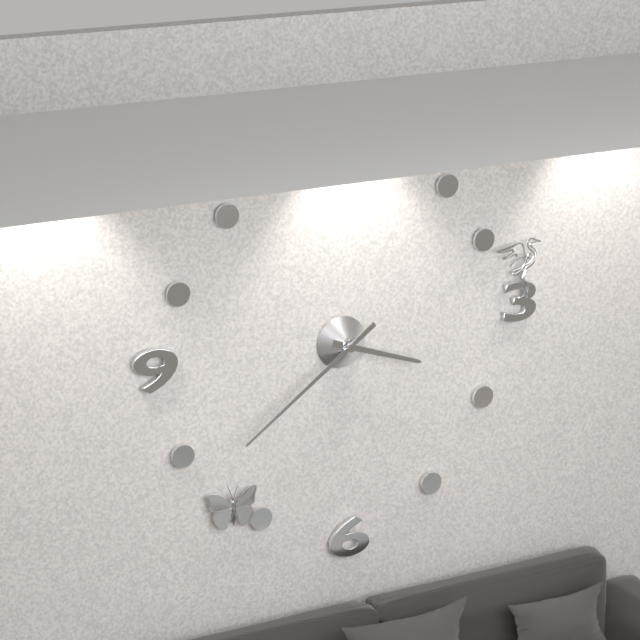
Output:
3 h 39 min
